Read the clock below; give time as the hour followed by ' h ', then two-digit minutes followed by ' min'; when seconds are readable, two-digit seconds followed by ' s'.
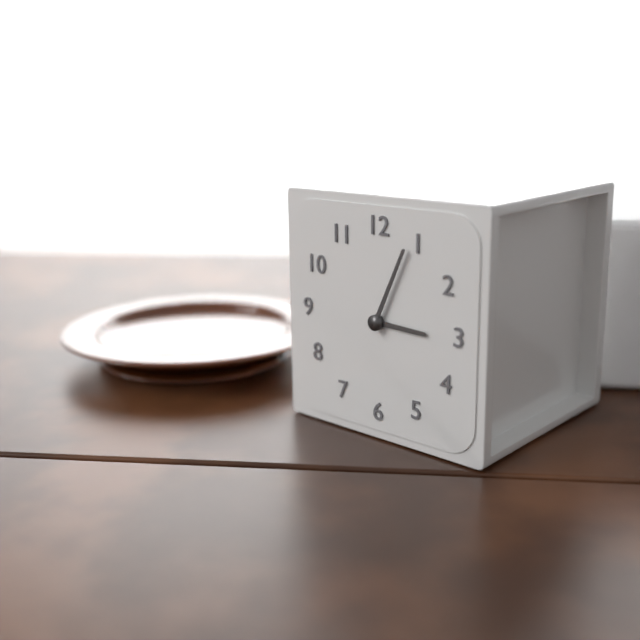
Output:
3 h 04 min
